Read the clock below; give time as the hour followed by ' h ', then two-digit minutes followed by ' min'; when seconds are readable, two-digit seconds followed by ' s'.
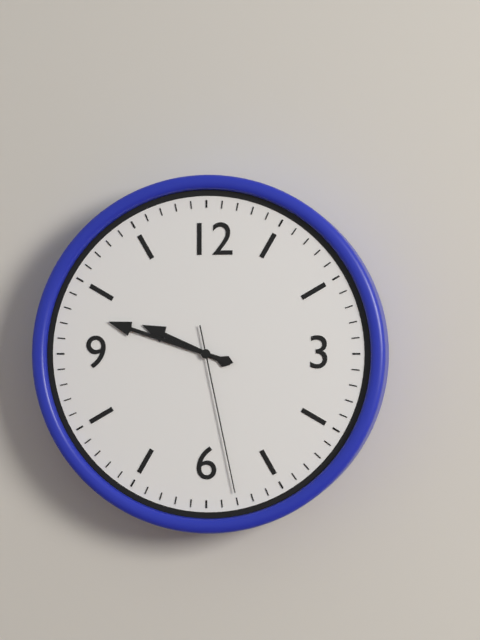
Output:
9 h 48 min 28 s
